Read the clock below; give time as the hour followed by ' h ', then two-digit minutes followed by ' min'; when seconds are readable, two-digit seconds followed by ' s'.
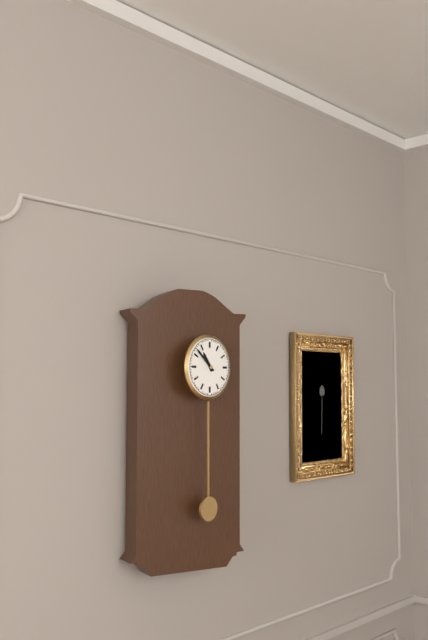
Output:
10 h 52 min
